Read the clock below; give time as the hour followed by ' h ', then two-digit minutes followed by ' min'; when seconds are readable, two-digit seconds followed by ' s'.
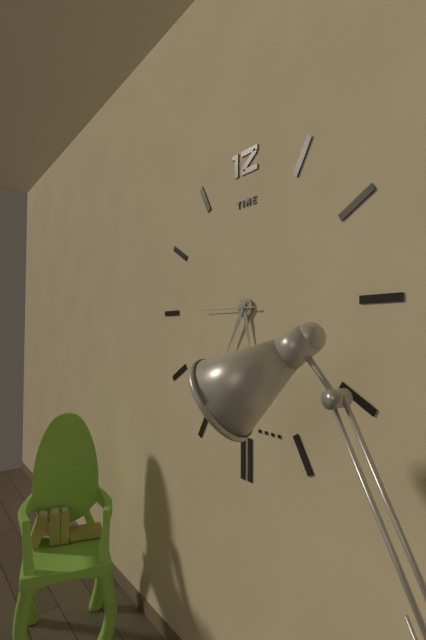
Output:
5 h 35 min 45 s
